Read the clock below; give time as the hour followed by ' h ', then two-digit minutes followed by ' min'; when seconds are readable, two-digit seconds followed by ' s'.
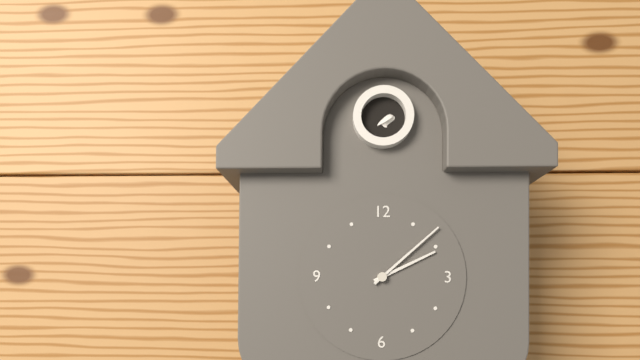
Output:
2 h 08 min
